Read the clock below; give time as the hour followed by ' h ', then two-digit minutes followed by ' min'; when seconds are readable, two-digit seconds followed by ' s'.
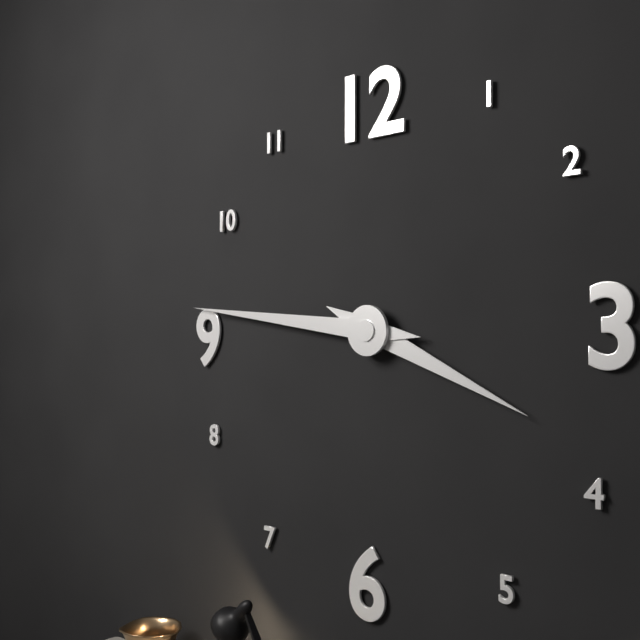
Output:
3 h 46 min
